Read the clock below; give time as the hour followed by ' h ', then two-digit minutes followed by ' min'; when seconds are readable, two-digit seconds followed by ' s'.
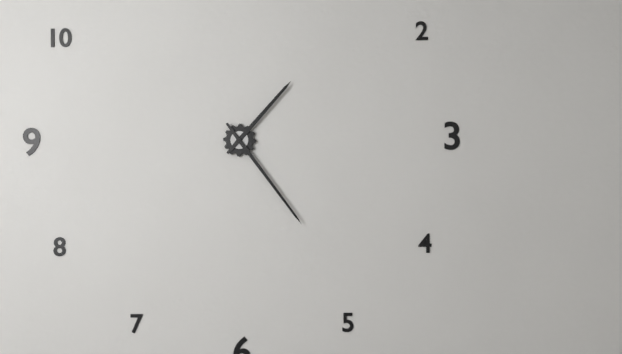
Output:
1 h 24 min
